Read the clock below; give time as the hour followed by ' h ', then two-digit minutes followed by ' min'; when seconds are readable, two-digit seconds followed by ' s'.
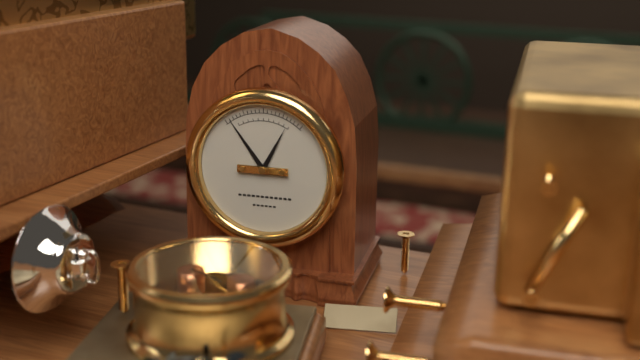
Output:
12 h 54 min
